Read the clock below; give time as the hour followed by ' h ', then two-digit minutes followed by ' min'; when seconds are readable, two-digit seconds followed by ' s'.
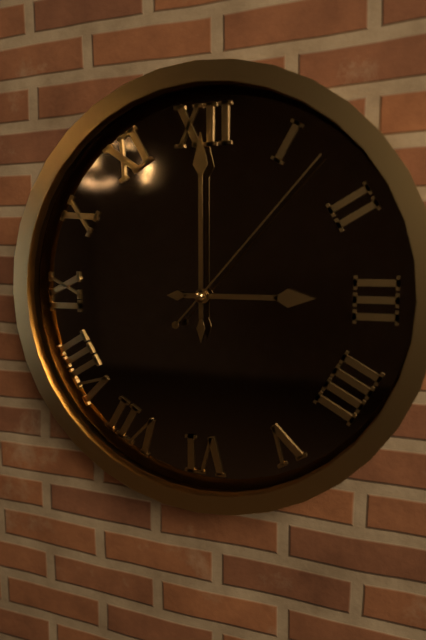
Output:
3 h 00 min 07 s
